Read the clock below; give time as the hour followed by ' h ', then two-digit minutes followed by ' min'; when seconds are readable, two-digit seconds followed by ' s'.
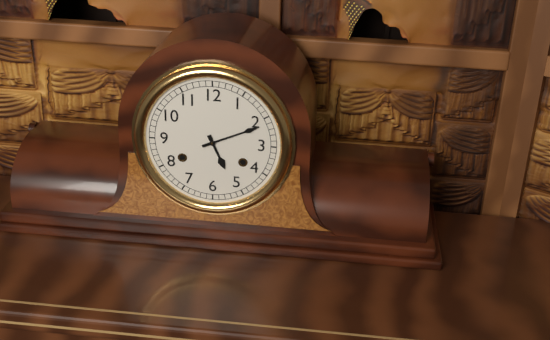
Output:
5 h 11 min
